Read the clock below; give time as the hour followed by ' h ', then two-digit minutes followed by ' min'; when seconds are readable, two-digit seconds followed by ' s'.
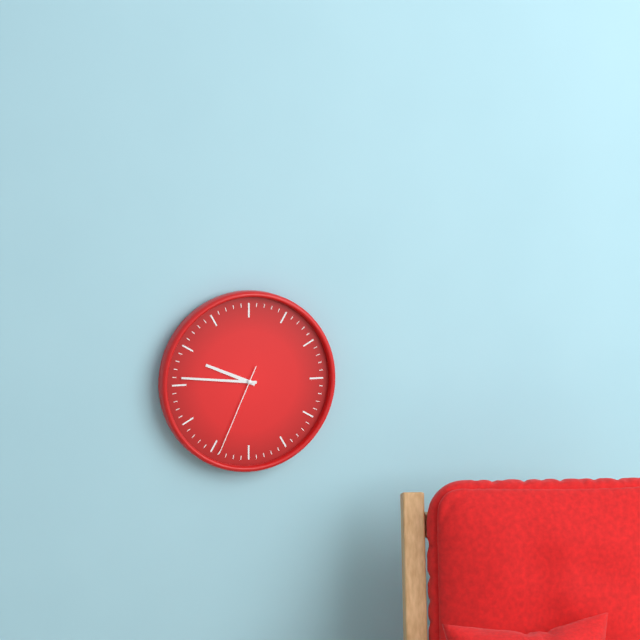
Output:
9 h 46 min 34 s
